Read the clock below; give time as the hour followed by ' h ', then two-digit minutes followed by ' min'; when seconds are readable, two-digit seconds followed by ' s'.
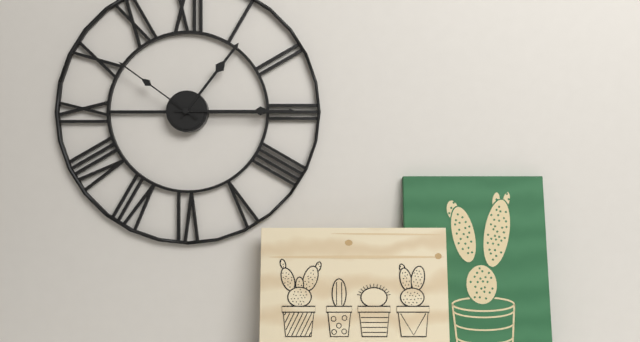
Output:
1 h 15 min 51 s
